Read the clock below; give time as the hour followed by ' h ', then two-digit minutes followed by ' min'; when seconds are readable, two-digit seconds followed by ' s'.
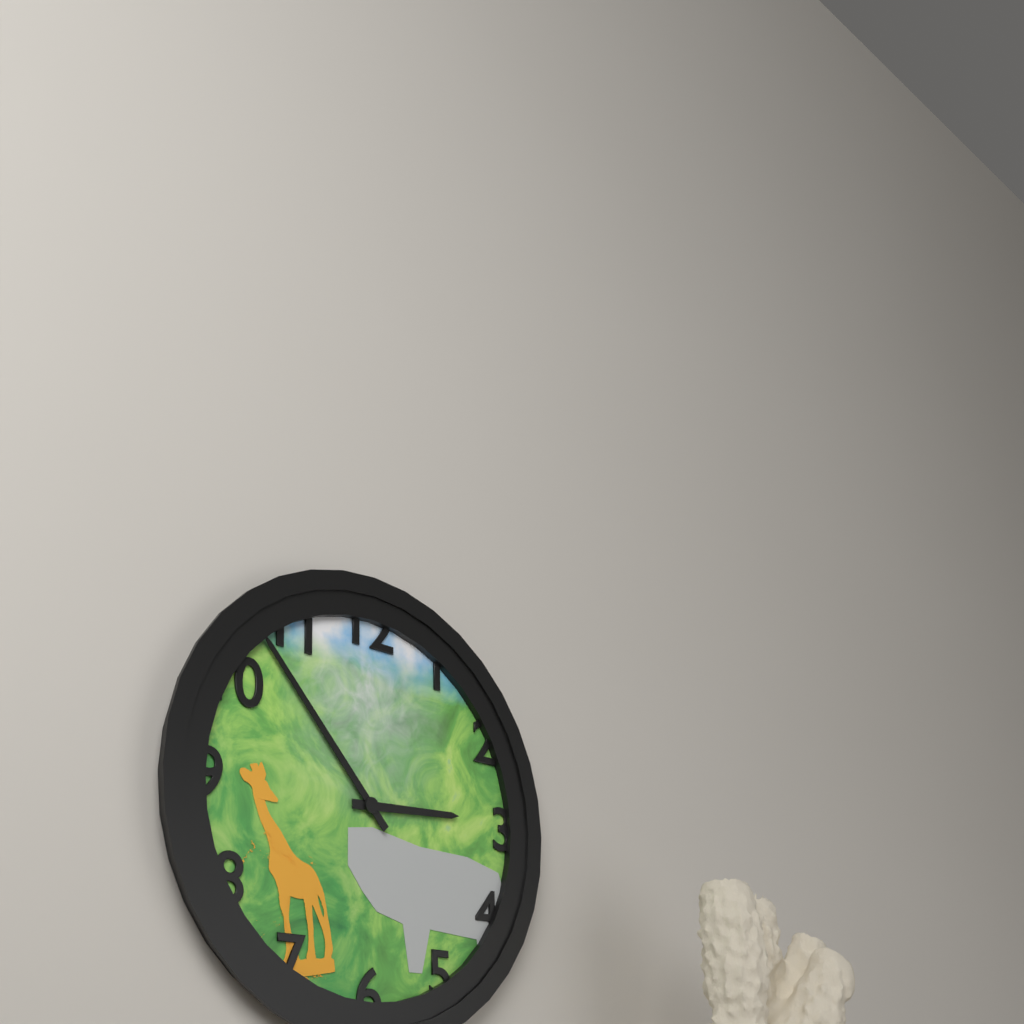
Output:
2 h 53 min
